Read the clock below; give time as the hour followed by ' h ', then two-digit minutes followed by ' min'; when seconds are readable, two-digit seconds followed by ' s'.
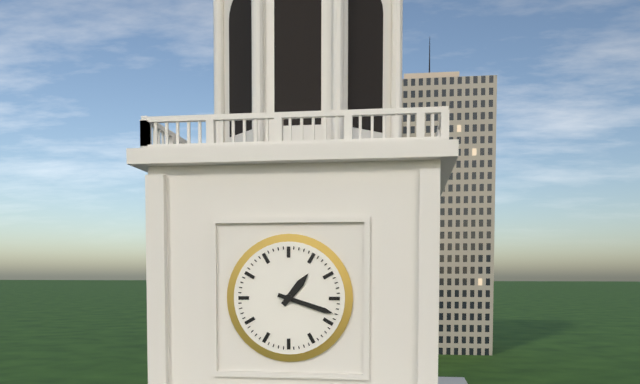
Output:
1 h 18 min
